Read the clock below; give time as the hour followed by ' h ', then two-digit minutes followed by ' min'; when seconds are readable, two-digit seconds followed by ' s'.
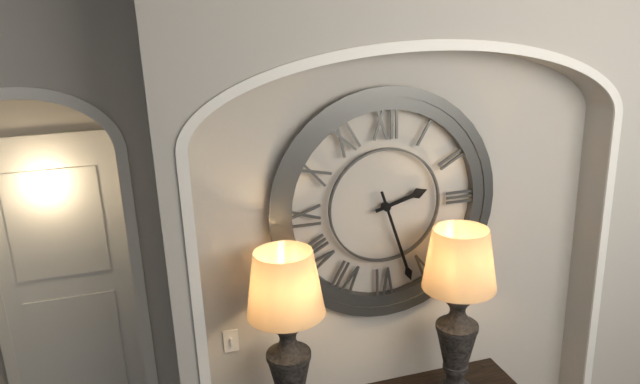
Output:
2 h 27 min
